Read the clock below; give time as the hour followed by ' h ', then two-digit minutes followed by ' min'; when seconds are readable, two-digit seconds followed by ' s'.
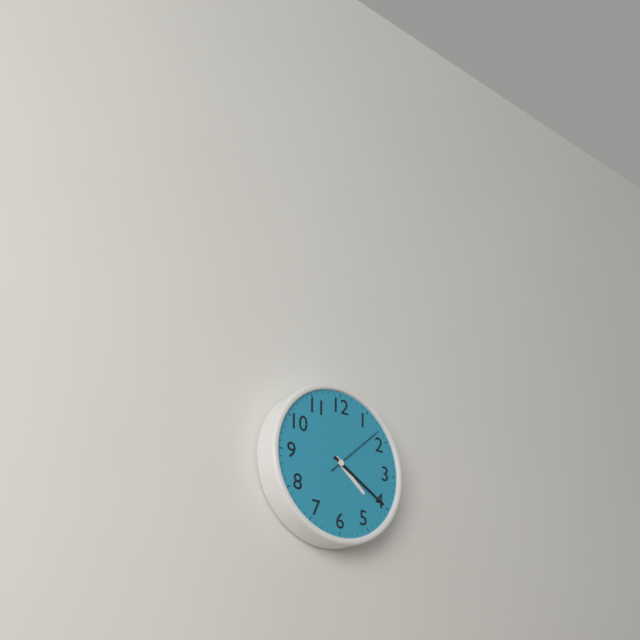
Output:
4 h 20 min 08 s
